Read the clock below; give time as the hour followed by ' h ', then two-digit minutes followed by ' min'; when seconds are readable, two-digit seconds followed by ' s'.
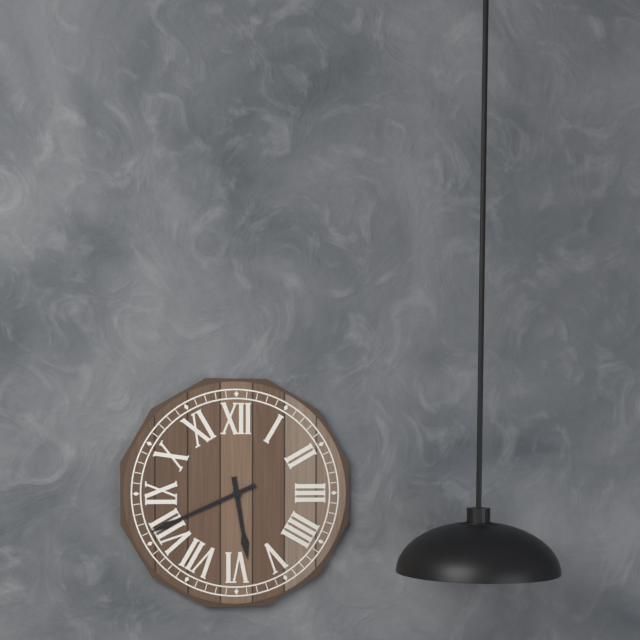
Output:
5 h 41 min
